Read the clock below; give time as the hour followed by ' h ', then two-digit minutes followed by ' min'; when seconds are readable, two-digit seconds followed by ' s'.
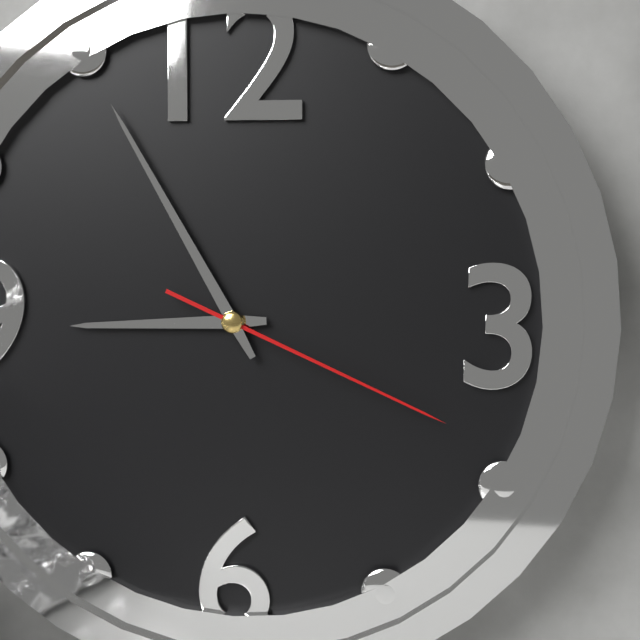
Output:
8 h 55 min 19 s
